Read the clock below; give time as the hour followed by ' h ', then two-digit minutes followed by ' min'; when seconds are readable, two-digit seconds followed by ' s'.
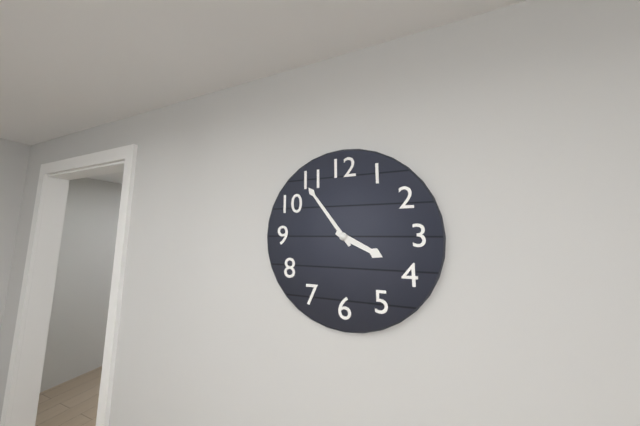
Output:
3 h 54 min
